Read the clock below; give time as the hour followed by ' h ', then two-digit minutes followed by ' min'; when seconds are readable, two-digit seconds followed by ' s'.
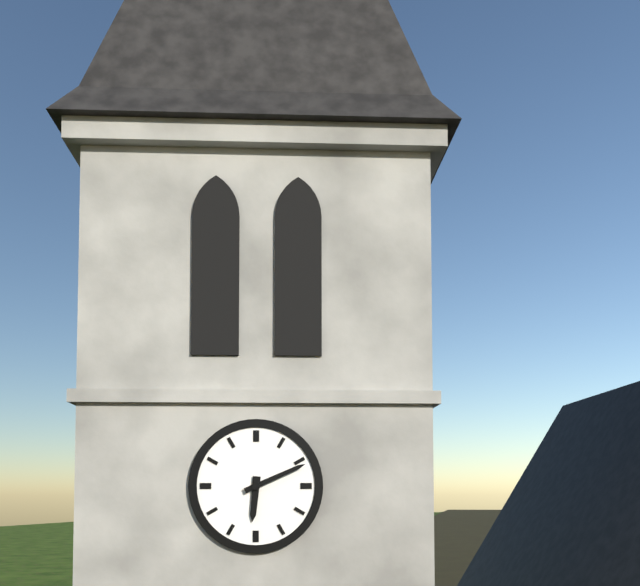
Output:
6 h 11 min
